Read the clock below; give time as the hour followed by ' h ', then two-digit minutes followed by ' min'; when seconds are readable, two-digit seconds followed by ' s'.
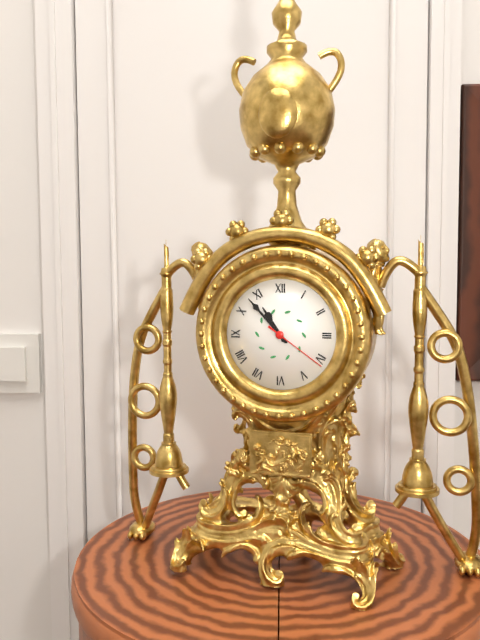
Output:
10 h 53 min 21 s
